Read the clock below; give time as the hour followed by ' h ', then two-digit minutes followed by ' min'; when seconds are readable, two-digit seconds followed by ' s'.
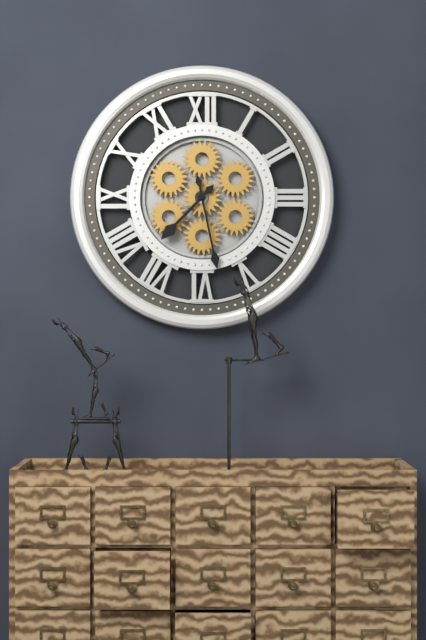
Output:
7 h 28 min
